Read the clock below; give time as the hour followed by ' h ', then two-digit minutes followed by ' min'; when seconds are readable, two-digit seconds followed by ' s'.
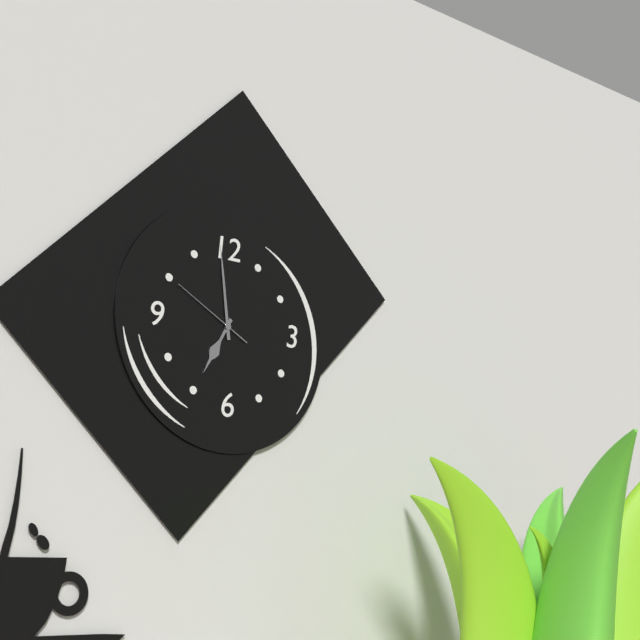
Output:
6 h 59 min 50 s
